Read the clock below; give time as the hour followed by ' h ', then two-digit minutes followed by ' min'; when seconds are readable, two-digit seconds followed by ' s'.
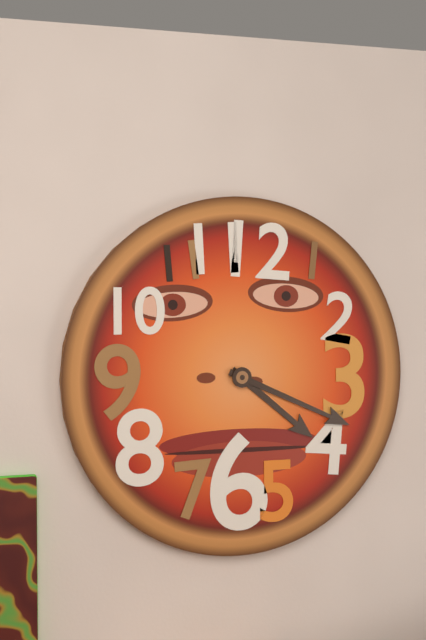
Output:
4 h 19 min
